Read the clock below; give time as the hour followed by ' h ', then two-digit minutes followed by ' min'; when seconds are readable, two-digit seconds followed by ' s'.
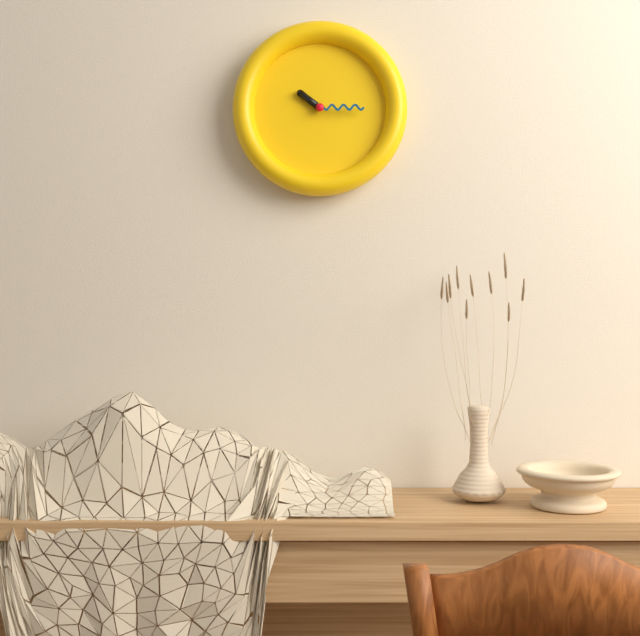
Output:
10 h 15 min
